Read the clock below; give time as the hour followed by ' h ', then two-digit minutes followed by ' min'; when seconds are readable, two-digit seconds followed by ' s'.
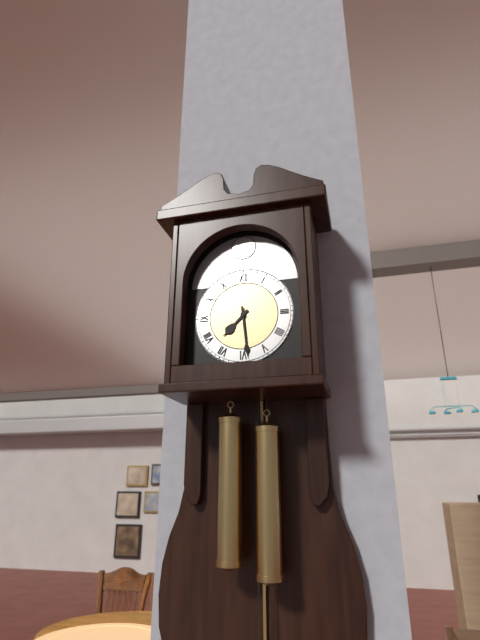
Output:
7 h 29 min
